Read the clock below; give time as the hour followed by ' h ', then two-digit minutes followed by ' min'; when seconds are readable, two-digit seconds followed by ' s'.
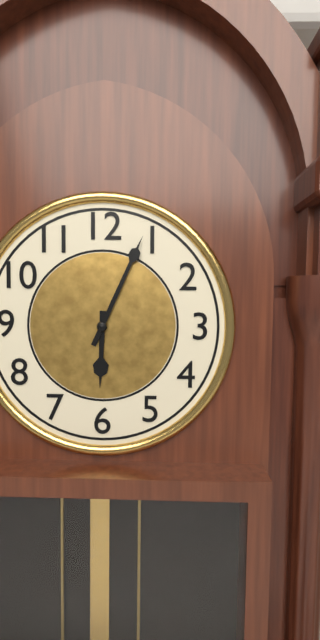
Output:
6 h 04 min
